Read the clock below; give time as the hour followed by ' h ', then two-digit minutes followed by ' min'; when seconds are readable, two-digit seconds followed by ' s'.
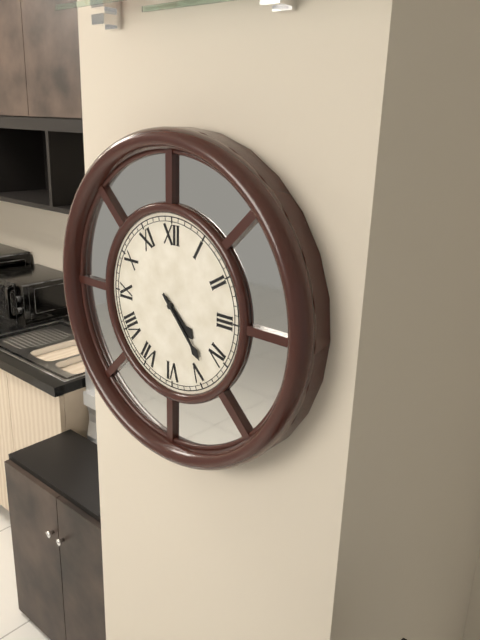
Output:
4 h 23 min
